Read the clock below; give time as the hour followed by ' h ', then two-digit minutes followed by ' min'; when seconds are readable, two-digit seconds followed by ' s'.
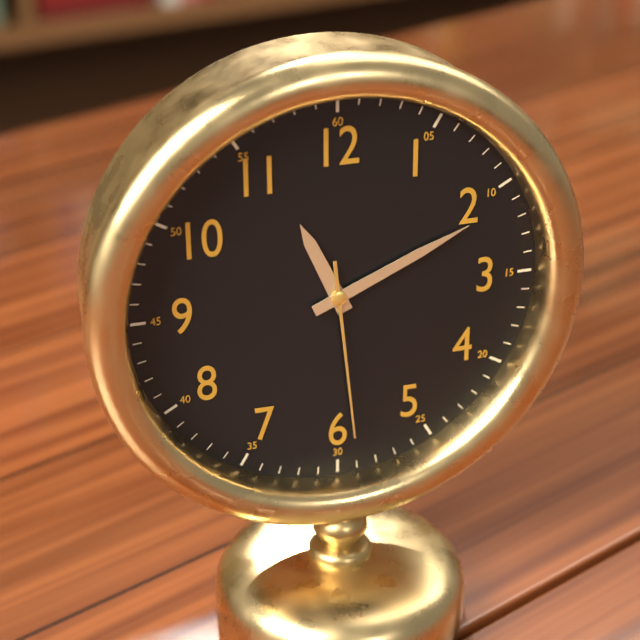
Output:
11 h 11 min 29 s
